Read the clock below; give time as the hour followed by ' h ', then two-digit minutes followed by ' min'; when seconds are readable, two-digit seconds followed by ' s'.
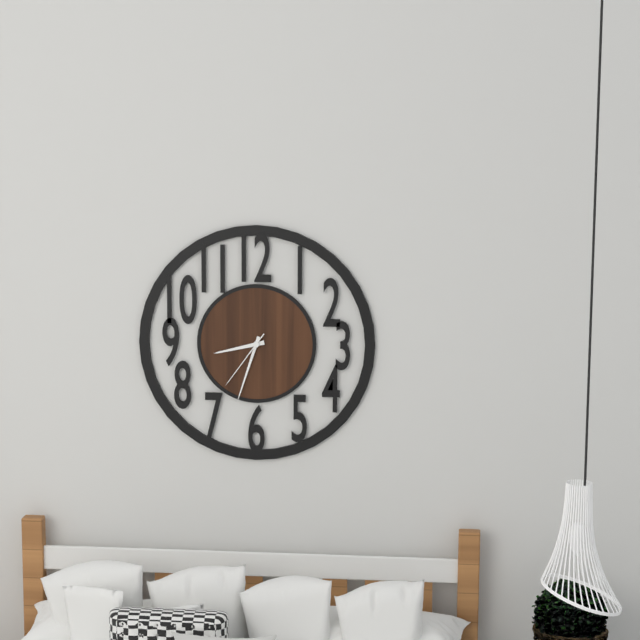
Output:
8 h 33 min 36 s
